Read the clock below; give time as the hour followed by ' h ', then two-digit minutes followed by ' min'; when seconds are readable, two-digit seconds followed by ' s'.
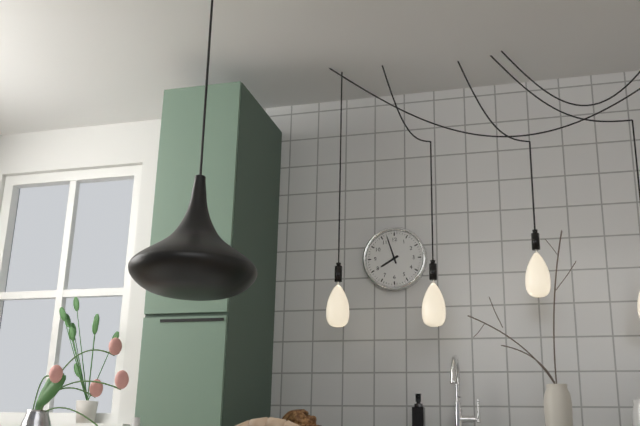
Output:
7 h 57 min
